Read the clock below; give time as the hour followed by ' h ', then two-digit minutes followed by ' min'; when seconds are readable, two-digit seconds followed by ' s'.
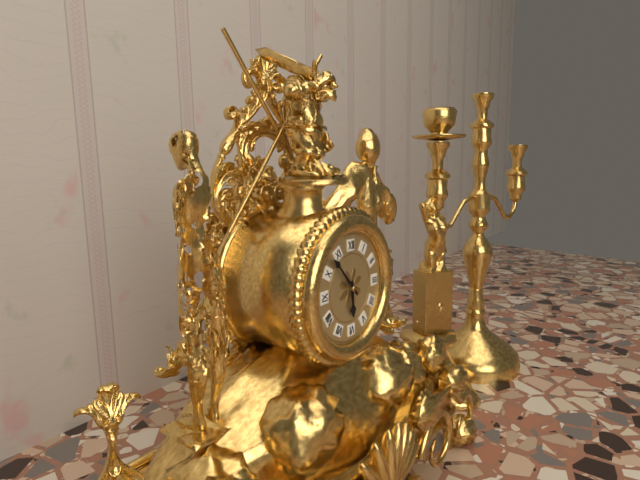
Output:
5 h 53 min
